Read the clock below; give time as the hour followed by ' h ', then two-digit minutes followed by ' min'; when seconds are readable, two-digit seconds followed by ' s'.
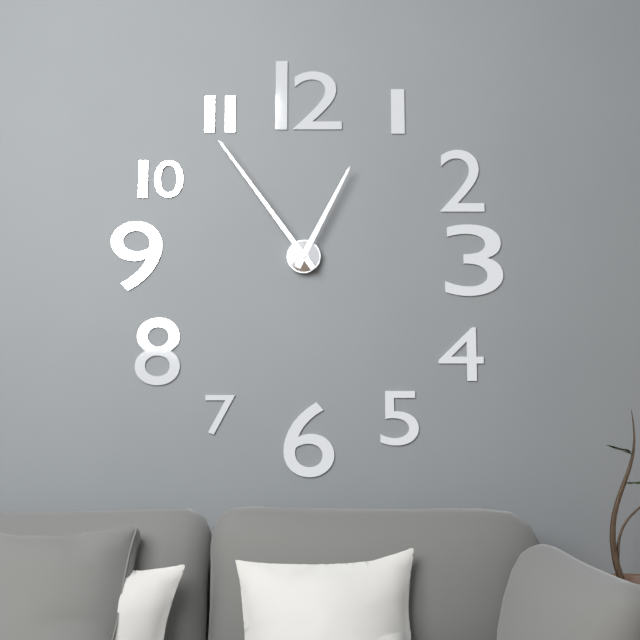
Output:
12 h 54 min
